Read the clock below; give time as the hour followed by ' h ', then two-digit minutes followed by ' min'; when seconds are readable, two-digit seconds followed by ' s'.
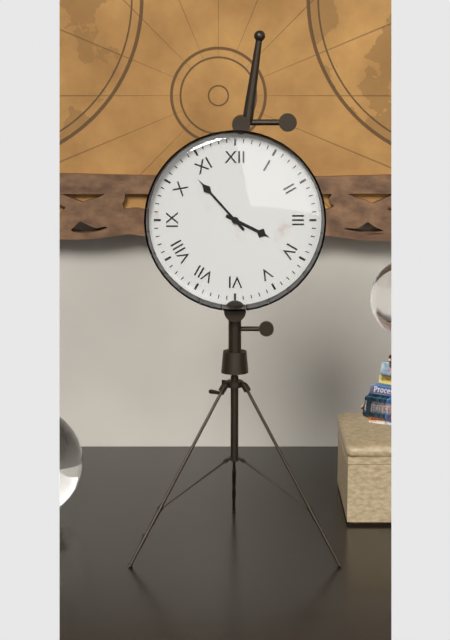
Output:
3 h 53 min
